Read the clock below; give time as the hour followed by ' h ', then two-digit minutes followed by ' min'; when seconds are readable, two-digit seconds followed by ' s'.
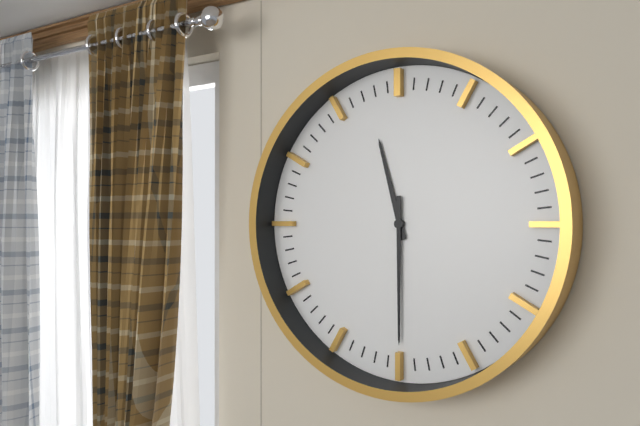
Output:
11 h 30 min
